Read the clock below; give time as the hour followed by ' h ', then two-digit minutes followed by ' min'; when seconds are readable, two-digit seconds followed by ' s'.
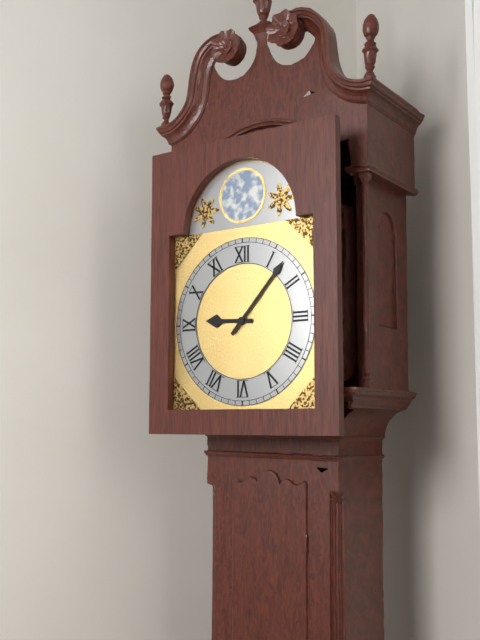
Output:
9 h 07 min
